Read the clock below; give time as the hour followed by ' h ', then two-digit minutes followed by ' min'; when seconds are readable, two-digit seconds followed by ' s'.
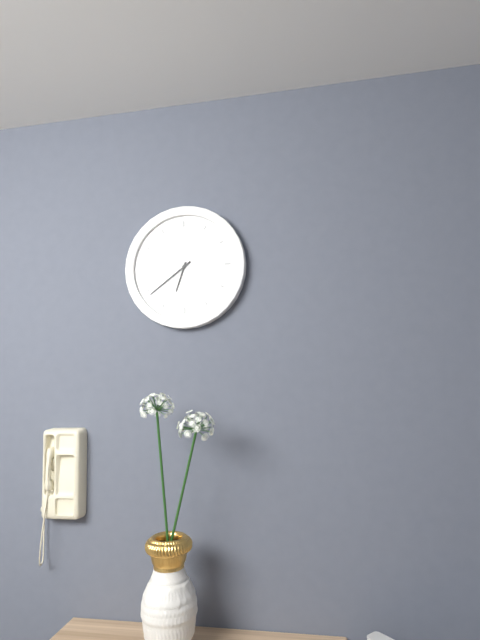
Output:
6 h 39 min
